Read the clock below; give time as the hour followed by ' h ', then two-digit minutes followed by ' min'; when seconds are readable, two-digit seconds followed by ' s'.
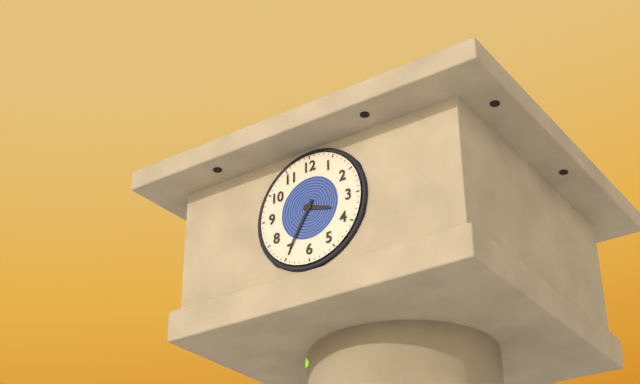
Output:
3 h 35 min
